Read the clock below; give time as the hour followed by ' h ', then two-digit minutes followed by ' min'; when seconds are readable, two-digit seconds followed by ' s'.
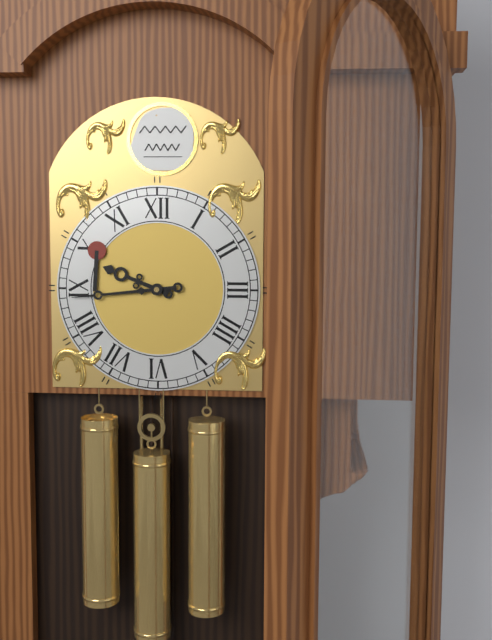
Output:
9 h 44 min
